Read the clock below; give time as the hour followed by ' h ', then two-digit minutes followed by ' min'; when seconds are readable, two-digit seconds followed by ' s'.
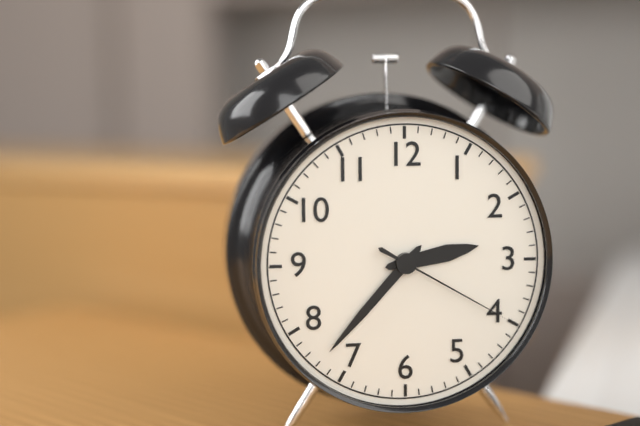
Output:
2 h 37 min 20 s
